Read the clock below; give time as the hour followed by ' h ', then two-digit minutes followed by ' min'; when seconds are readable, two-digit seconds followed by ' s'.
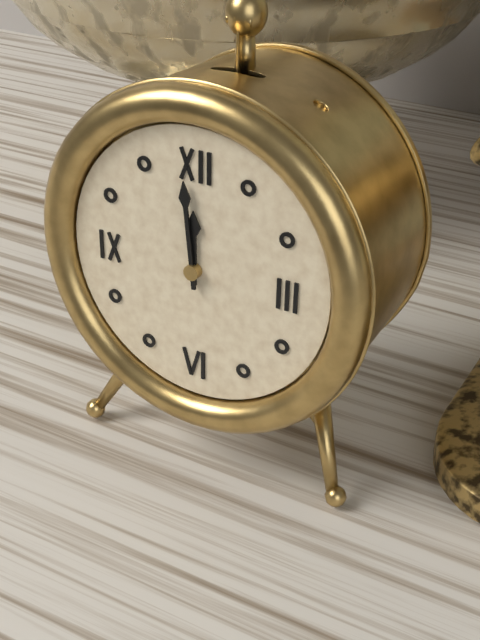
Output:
11 h 59 min
